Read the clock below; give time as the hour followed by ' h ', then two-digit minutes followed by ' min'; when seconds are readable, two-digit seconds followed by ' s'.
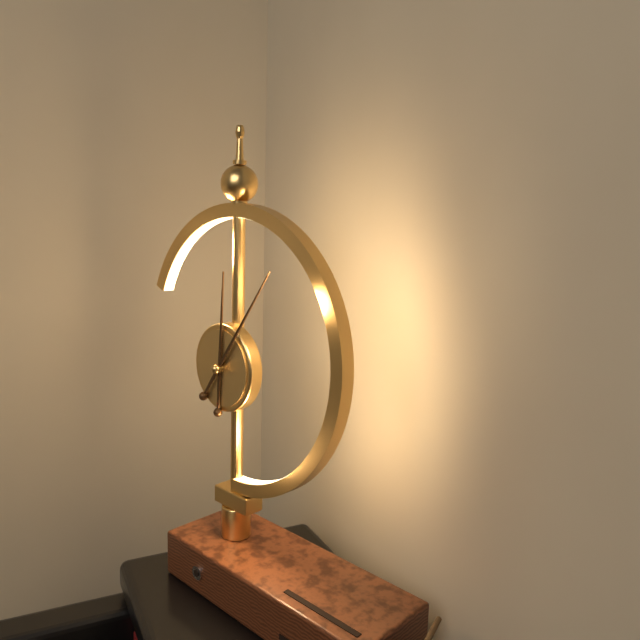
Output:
12 h 06 min
